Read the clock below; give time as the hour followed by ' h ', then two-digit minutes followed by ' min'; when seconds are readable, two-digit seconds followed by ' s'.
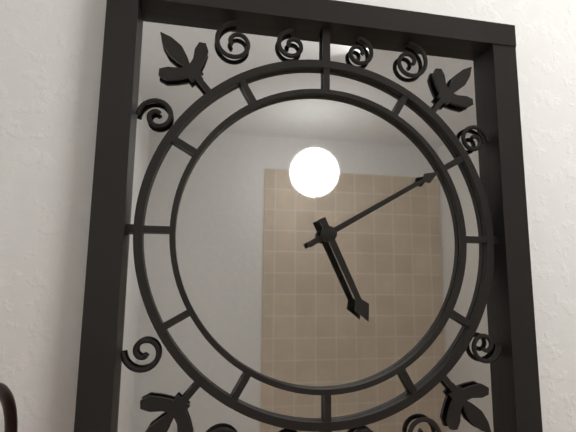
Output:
5 h 10 min
